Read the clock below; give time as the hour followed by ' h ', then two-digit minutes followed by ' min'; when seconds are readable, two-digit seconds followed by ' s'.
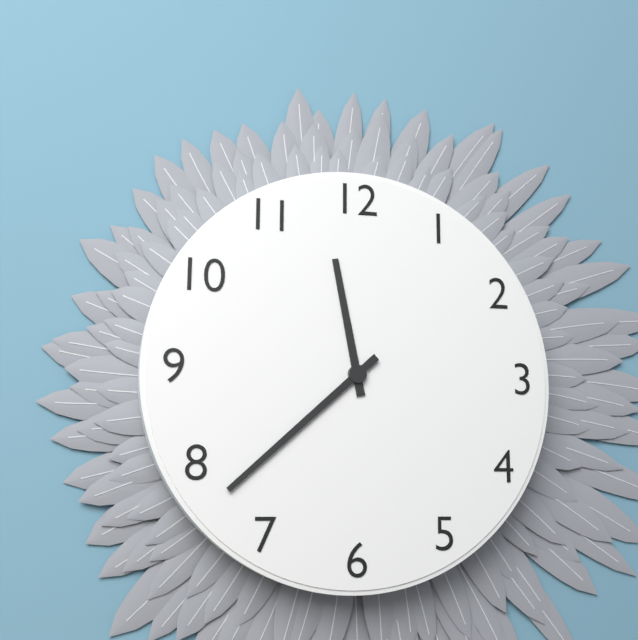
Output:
11 h 38 min
